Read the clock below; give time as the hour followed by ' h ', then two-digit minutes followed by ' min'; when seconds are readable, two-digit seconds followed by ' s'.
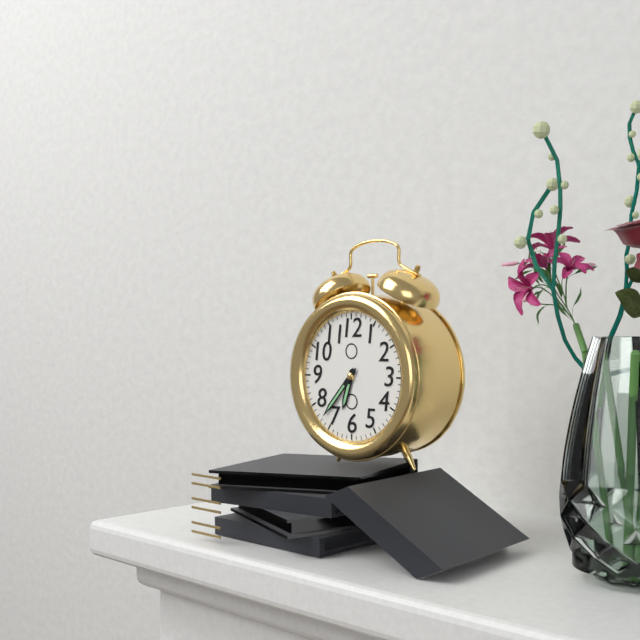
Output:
6 h 37 min
